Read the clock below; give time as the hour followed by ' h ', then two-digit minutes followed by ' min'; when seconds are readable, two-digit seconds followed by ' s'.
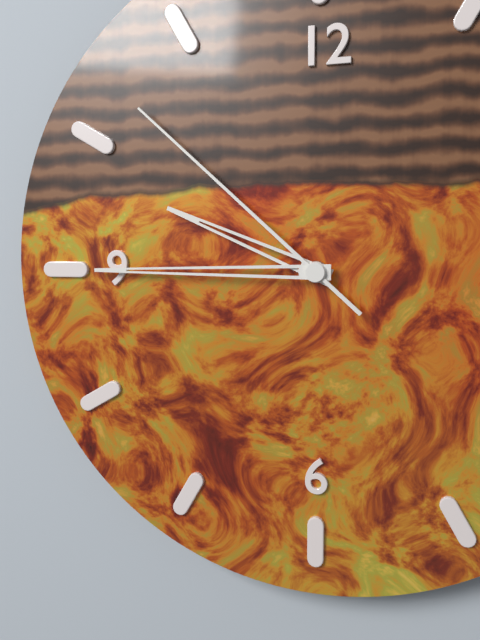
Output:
9 h 45 min 52 s
